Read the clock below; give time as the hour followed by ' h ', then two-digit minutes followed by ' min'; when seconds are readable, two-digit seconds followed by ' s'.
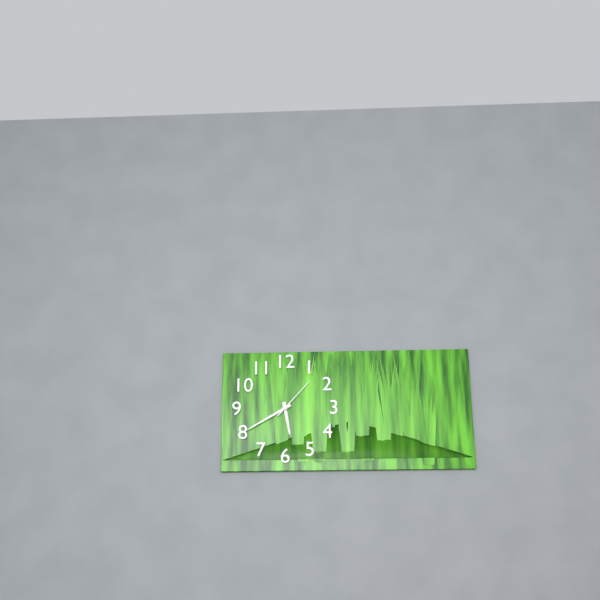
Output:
5 h 40 min
